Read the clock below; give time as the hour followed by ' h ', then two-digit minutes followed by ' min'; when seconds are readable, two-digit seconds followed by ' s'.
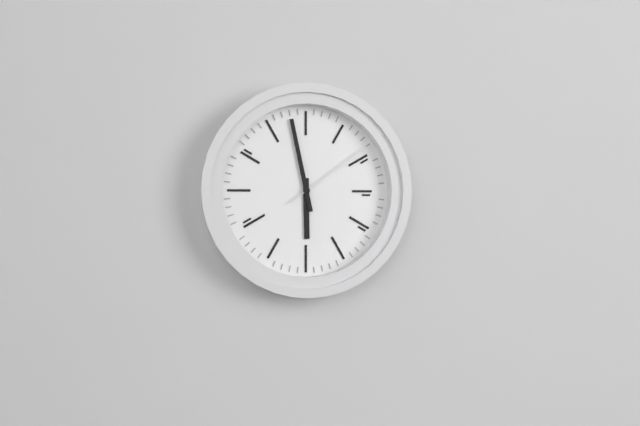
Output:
5 h 58 min 09 s
